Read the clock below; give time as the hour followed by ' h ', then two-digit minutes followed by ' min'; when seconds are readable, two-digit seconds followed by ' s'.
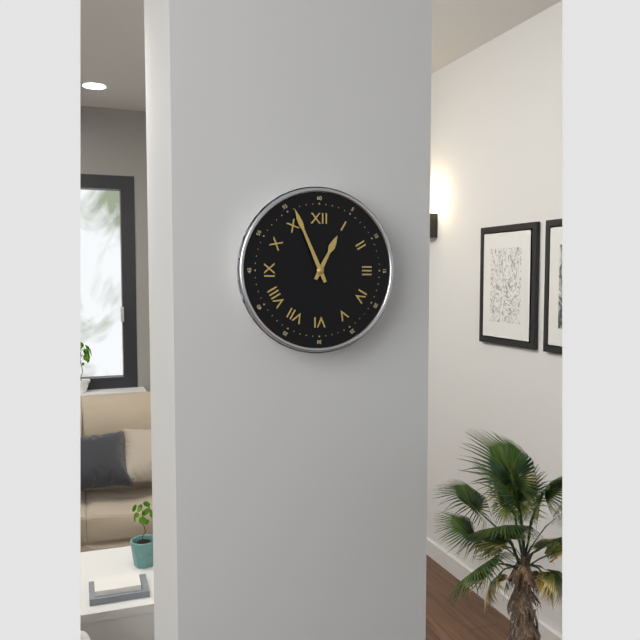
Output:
12 h 56 min
